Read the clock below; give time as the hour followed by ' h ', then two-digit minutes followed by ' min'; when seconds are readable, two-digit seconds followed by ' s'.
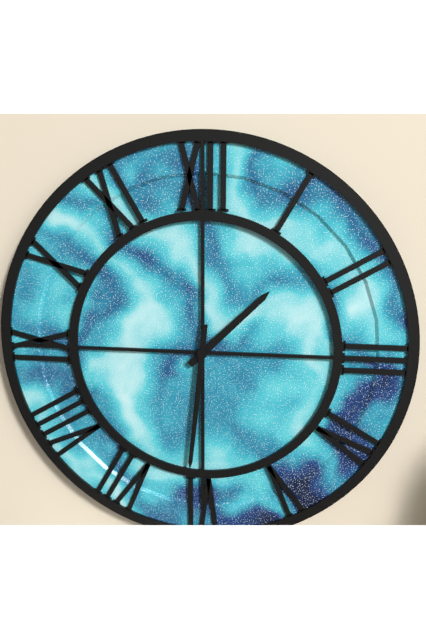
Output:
1 h 31 min
